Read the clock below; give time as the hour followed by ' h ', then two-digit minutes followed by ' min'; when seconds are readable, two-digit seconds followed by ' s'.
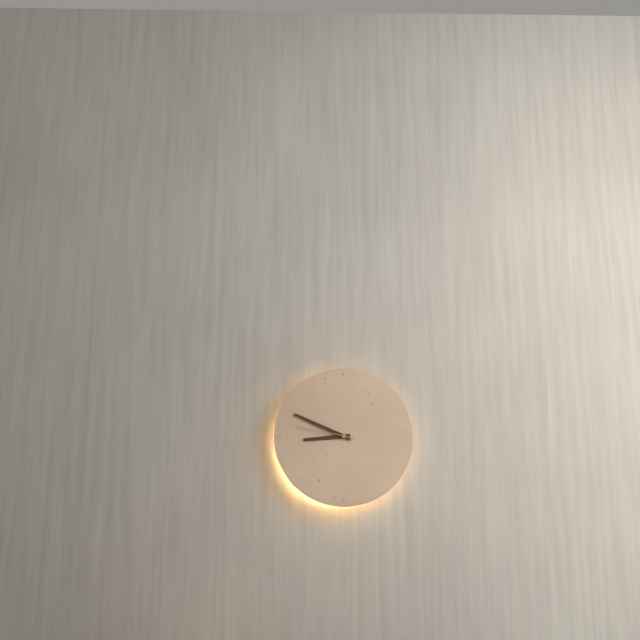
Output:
8 h 49 min 47 s
